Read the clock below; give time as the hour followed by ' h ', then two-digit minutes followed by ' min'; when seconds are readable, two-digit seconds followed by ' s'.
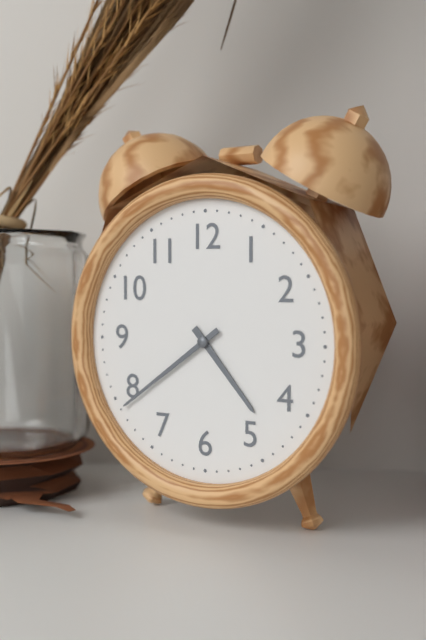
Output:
4 h 39 min
